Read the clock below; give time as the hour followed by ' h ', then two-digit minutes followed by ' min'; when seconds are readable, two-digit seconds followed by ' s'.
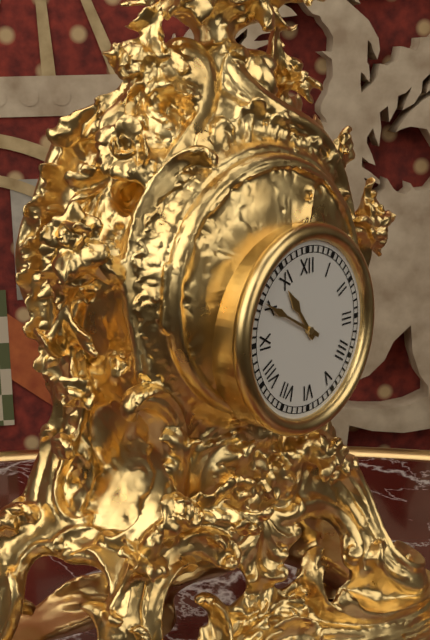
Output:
10 h 50 min
